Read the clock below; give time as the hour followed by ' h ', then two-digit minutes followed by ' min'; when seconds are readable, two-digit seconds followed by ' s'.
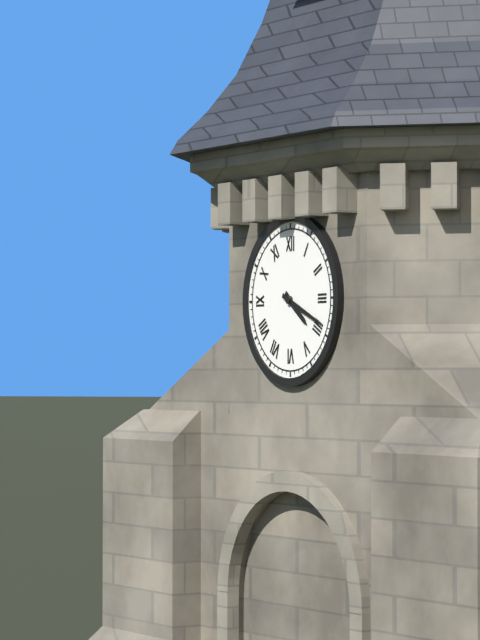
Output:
4 h 19 min
